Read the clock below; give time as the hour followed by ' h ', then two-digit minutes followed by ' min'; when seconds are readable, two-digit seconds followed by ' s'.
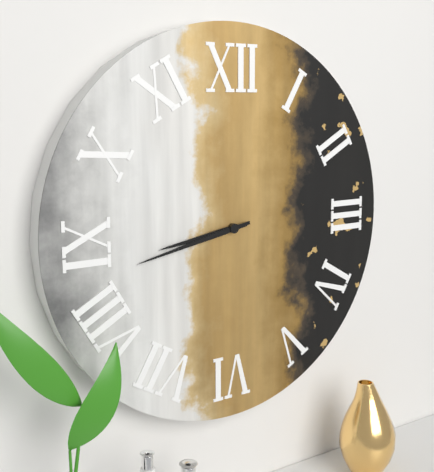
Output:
8 h 43 min
